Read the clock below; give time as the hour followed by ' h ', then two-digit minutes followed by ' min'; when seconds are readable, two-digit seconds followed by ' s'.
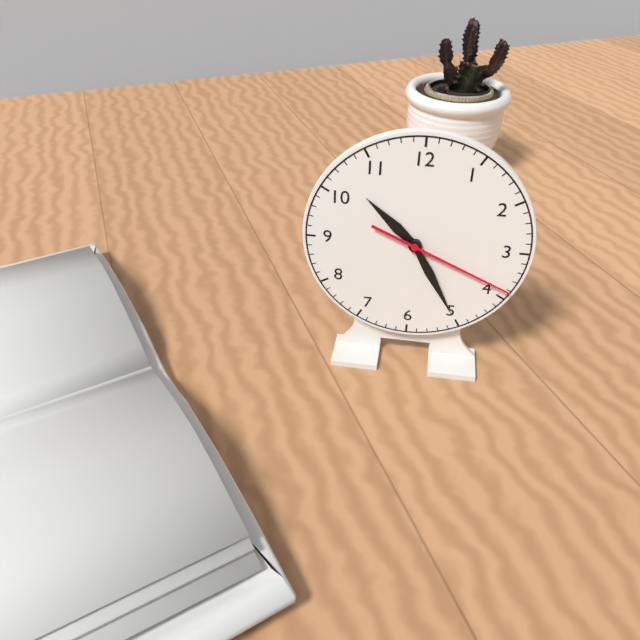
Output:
10 h 25 min 19 s
